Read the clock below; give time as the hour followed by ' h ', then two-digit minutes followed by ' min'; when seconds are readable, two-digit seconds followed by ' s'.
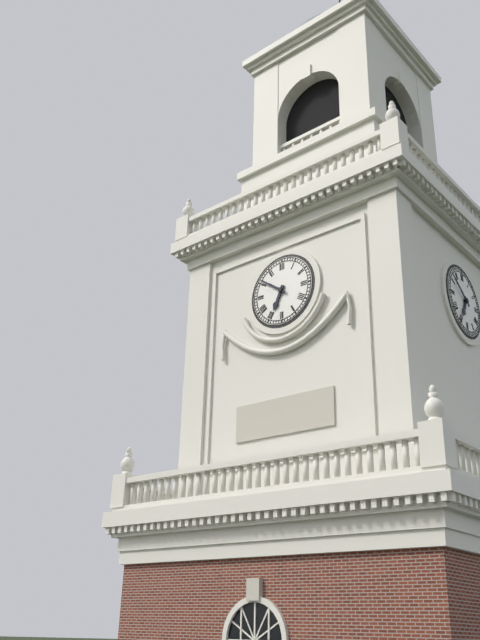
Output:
6 h 51 min
